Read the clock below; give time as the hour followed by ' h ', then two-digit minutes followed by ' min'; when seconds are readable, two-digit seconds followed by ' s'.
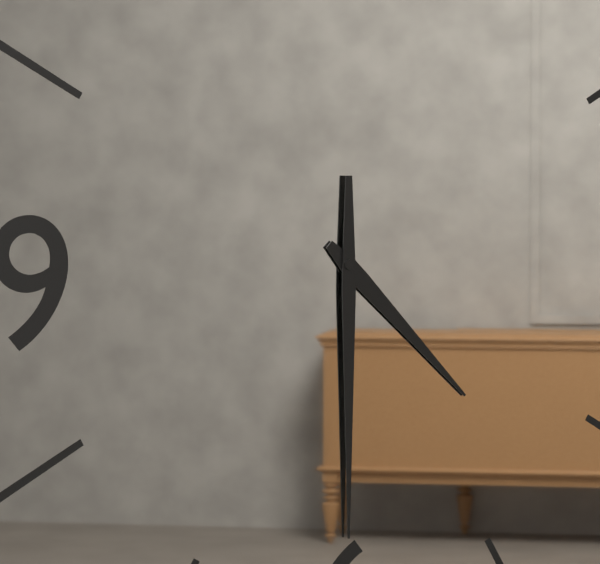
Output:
4 h 30 min
